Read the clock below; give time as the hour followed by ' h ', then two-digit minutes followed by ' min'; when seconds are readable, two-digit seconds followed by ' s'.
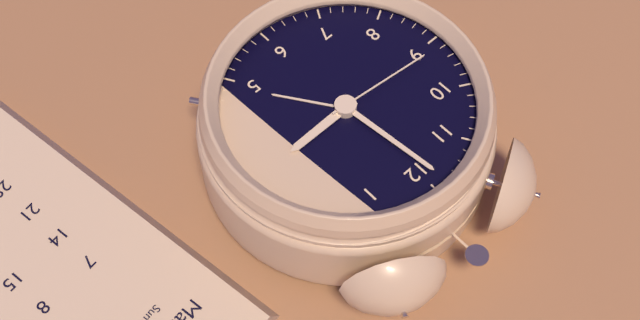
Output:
2 h 59 min 46 s
